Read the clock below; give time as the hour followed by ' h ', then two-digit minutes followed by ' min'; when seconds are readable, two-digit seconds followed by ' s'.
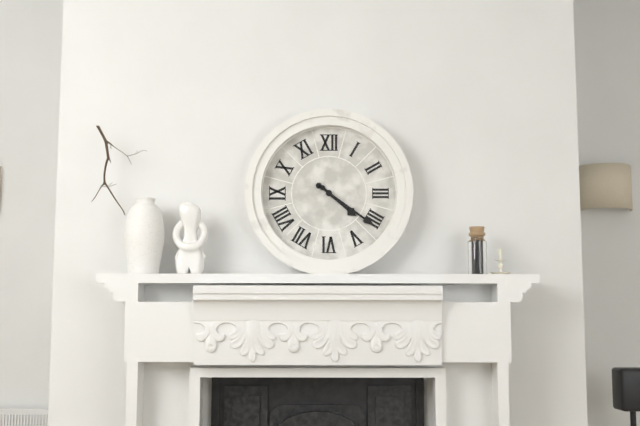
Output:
4 h 21 min
